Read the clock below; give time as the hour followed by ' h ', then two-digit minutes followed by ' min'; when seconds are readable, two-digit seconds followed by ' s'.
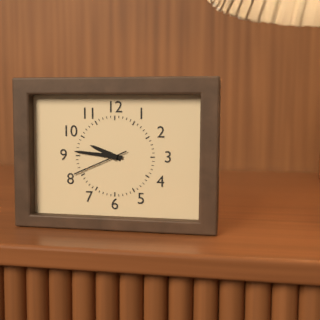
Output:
9 h 46 min 41 s
